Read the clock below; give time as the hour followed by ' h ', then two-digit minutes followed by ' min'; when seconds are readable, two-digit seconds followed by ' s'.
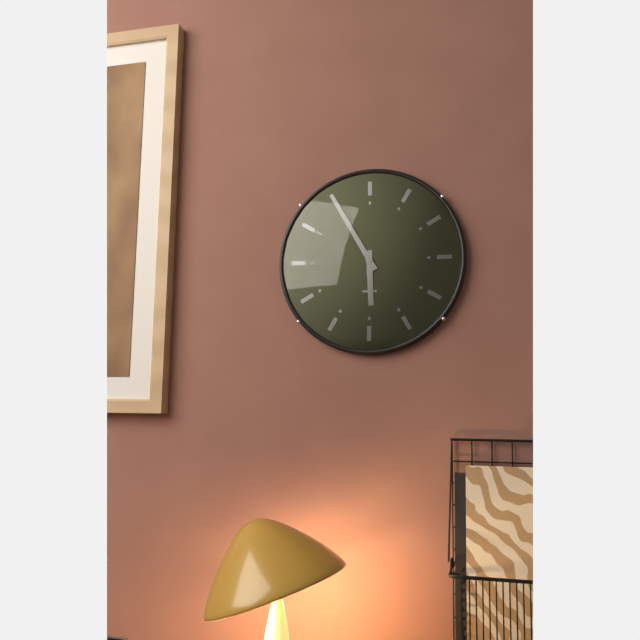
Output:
5 h 55 min
